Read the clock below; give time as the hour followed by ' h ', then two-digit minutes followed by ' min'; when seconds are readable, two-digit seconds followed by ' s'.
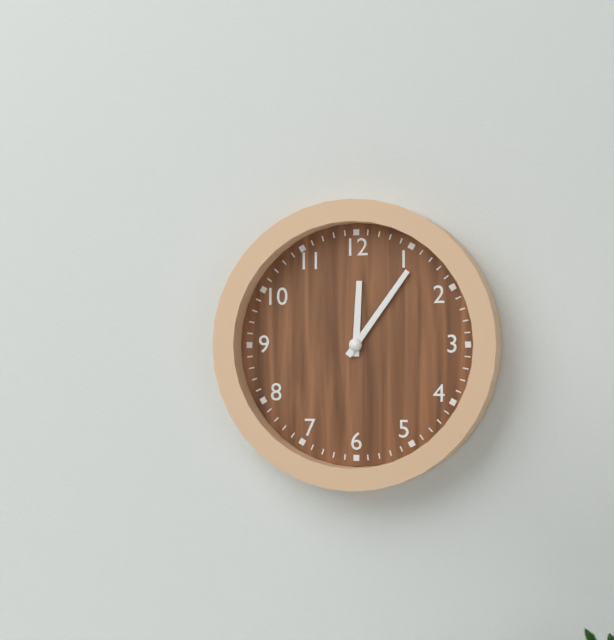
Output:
12 h 06 min
